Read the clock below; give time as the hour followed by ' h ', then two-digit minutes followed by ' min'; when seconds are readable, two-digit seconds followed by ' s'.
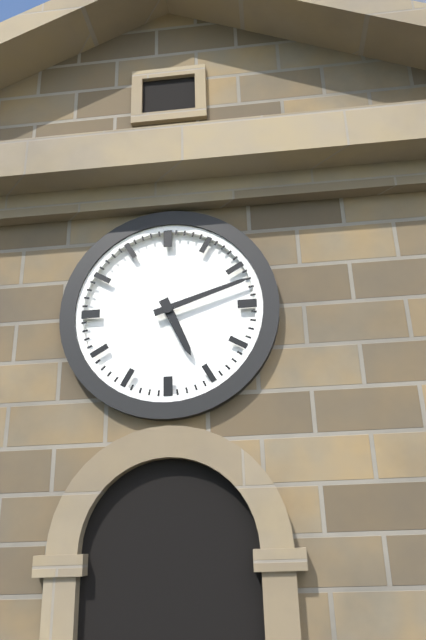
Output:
5 h 12 min
